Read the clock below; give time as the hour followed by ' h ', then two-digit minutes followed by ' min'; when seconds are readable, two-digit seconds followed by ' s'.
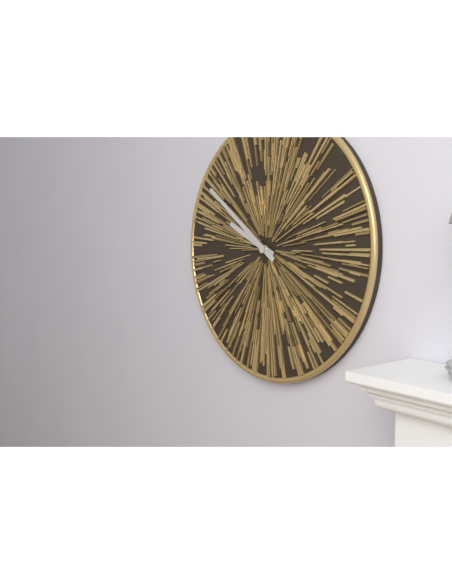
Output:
9 h 51 min
